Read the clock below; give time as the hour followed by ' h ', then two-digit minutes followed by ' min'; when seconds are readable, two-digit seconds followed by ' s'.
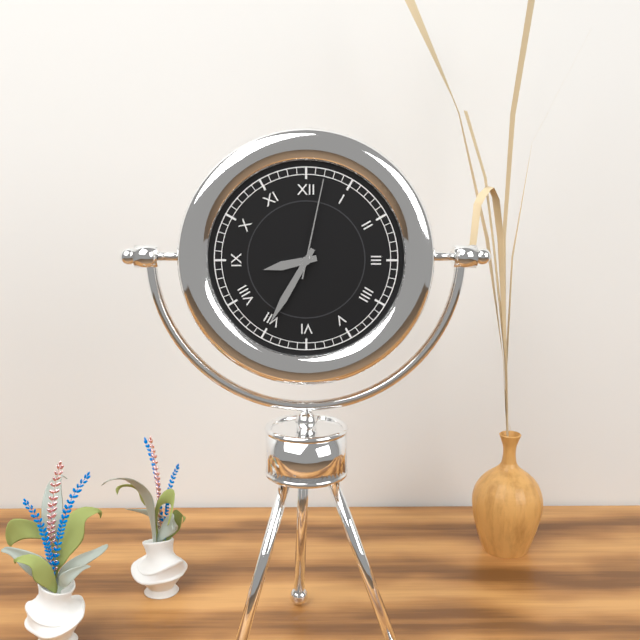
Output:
8 h 35 min 02 s
